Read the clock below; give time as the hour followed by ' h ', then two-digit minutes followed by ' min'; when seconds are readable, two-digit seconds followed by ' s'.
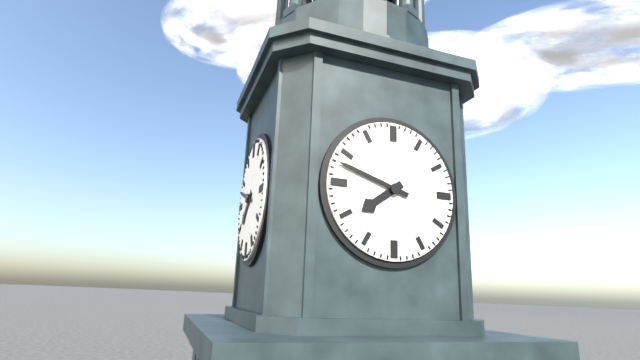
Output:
7 h 48 min
